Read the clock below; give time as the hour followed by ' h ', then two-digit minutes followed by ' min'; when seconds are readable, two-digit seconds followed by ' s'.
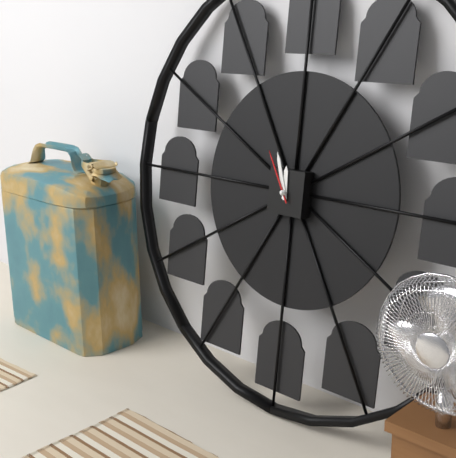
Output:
11 h 57 min 55 s
